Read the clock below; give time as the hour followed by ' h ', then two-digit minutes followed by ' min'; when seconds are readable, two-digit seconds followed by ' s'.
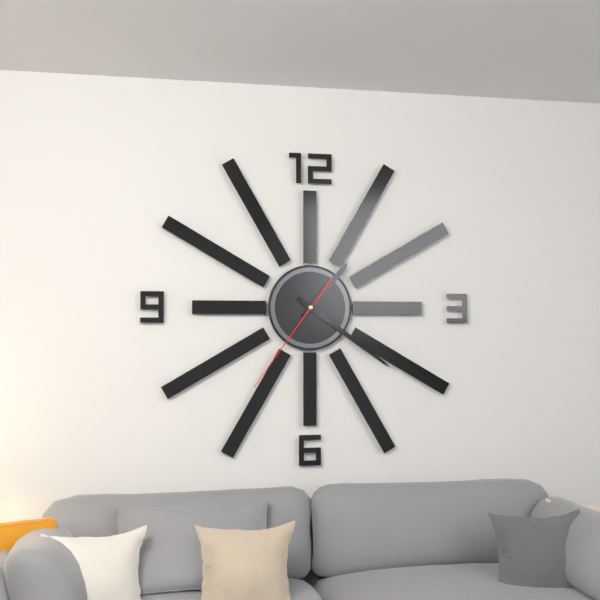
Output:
1 h 21 min 36 s
